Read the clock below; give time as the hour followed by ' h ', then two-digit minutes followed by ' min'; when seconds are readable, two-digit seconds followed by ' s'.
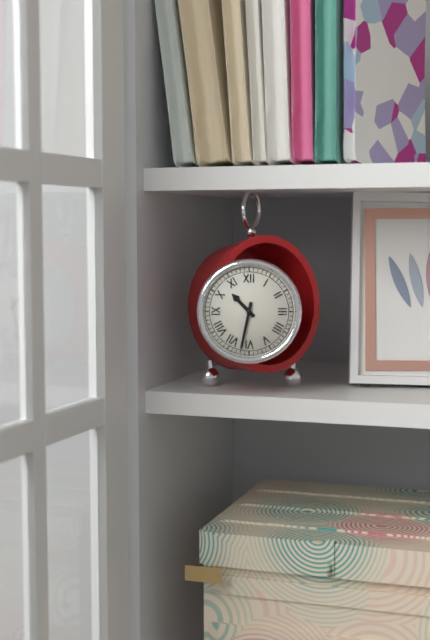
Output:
10 h 32 min
